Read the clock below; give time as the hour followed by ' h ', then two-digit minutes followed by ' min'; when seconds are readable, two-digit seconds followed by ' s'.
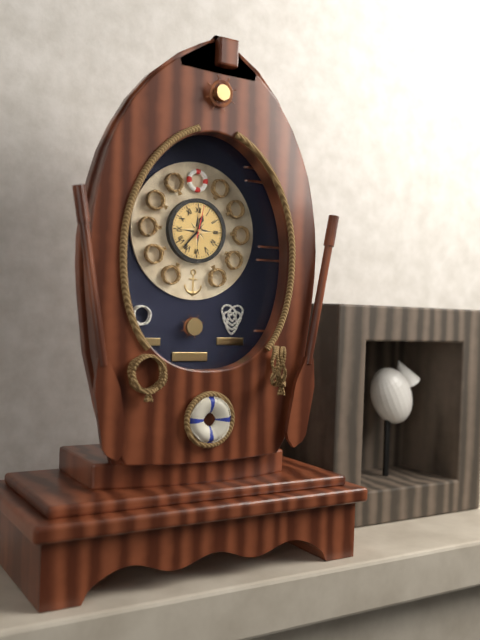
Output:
12 h 37 min
